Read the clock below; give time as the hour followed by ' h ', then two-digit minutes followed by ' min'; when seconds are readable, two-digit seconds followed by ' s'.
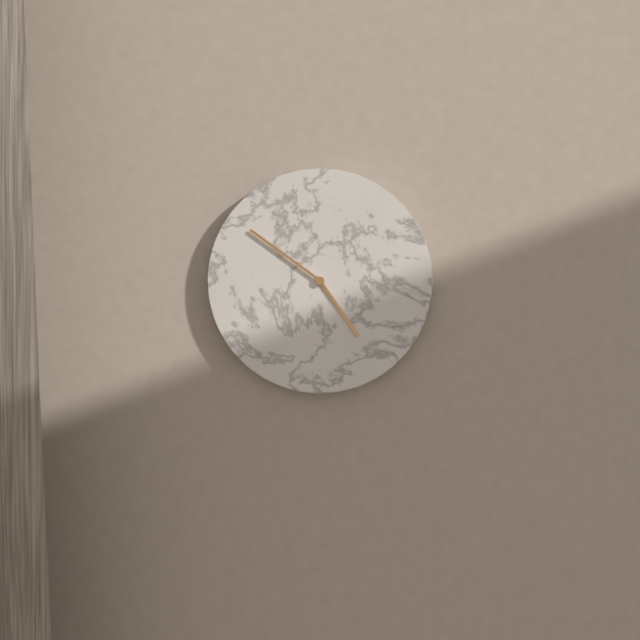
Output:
4 h 51 min
